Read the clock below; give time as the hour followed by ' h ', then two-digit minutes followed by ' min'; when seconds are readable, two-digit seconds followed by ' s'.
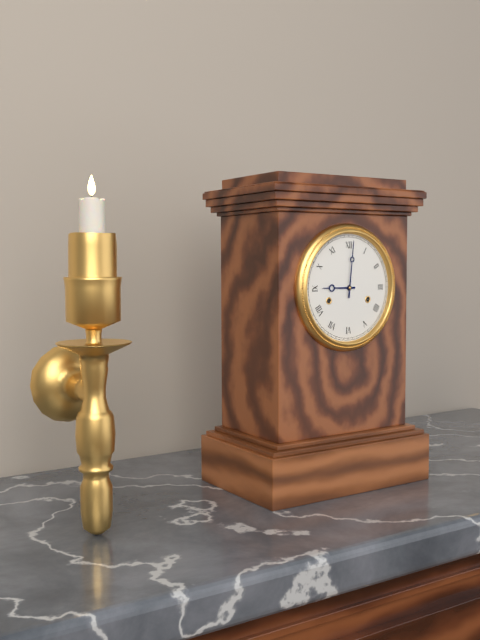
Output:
9 h 01 min
